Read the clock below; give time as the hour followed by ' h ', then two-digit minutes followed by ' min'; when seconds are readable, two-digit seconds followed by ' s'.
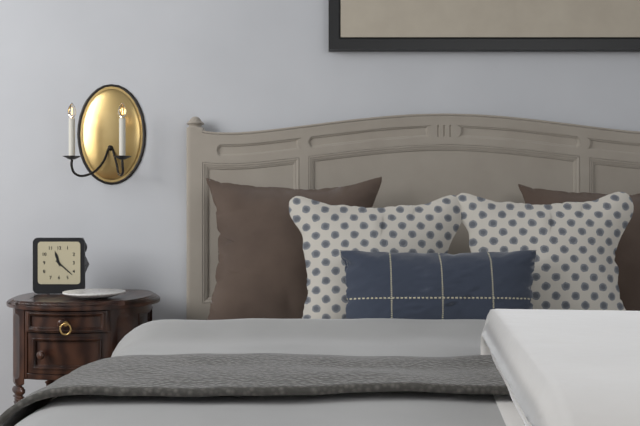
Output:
11 h 22 min
